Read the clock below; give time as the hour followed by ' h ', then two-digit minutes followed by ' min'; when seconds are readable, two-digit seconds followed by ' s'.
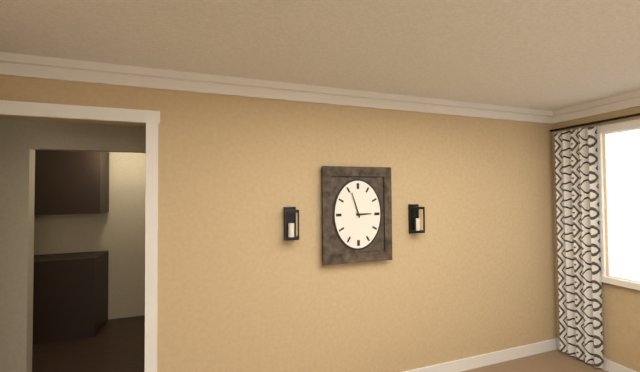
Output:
2 h 57 min
